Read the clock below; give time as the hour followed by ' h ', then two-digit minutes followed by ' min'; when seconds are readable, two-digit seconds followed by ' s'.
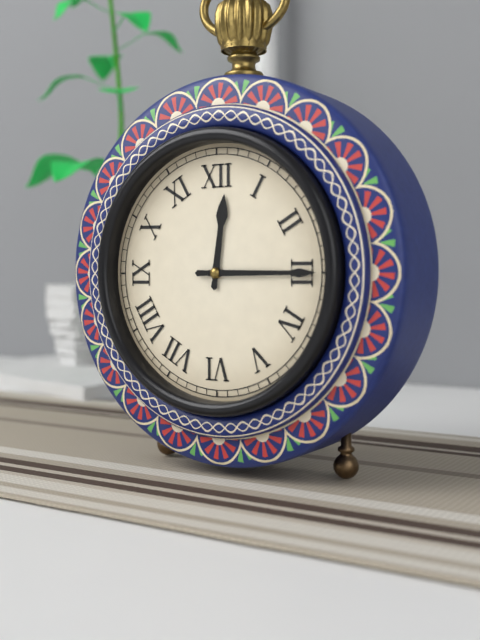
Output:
12 h 15 min
